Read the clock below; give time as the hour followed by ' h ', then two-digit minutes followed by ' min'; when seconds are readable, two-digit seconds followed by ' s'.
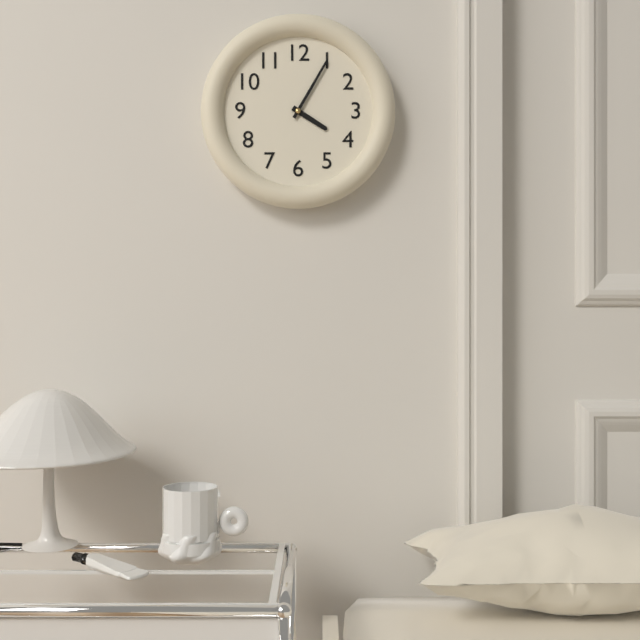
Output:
4 h 05 min
